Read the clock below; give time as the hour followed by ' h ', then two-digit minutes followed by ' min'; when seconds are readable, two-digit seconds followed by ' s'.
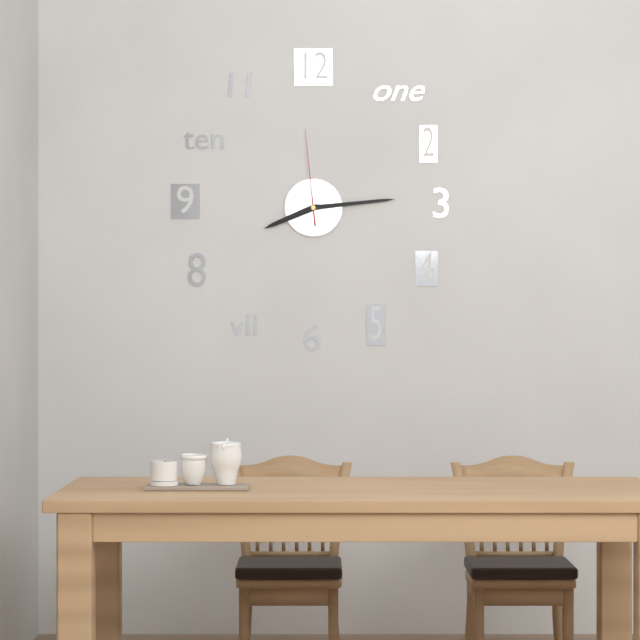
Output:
8 h 14 min 59 s
